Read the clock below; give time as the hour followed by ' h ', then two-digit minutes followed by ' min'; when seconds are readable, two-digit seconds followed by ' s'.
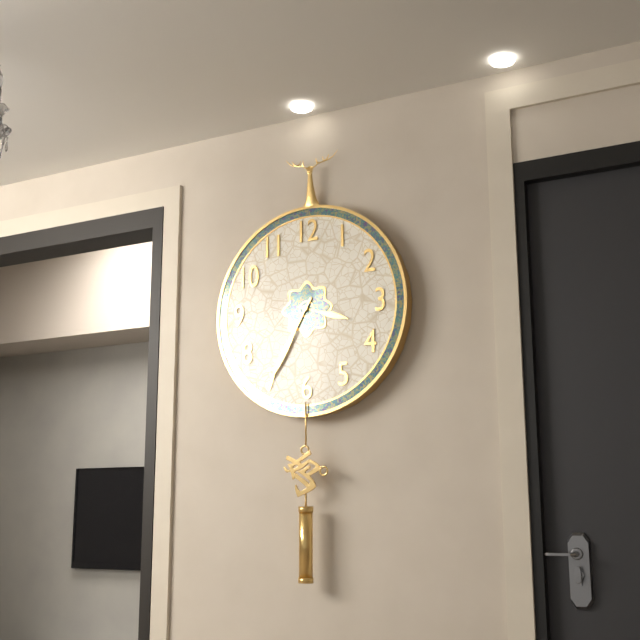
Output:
3 h 35 min
